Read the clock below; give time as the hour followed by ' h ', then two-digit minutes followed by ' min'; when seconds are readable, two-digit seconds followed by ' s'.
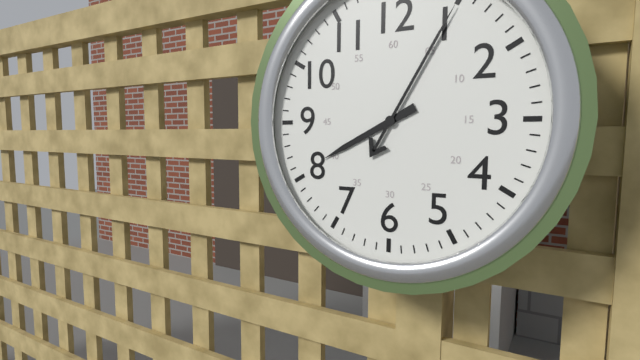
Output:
8 h 05 min
